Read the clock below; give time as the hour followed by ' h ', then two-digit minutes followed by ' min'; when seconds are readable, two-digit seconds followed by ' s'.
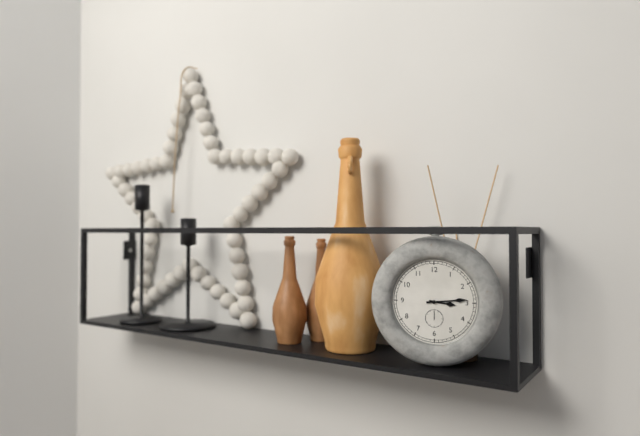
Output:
3 h 14 min
